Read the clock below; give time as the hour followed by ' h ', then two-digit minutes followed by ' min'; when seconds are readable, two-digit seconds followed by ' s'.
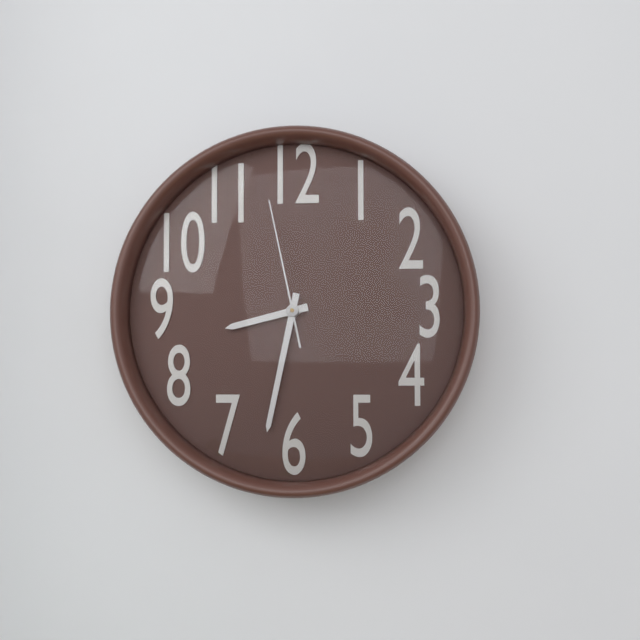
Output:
8 h 32 min 58 s
